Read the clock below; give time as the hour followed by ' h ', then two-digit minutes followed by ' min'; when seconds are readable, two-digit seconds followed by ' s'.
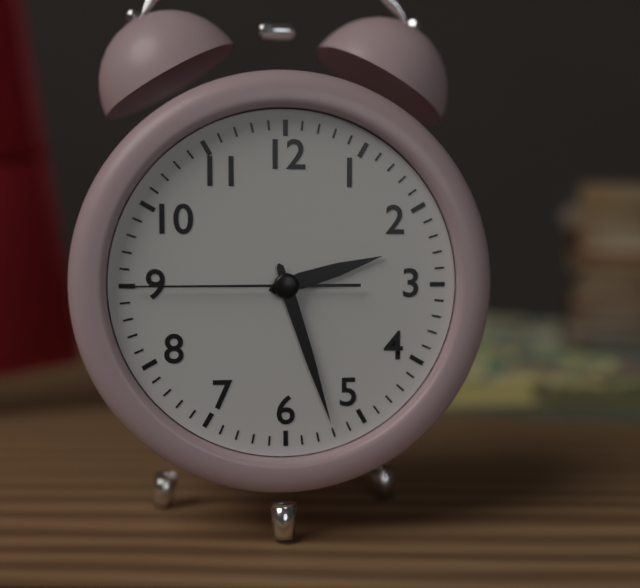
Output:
2 h 27 min 45 s
